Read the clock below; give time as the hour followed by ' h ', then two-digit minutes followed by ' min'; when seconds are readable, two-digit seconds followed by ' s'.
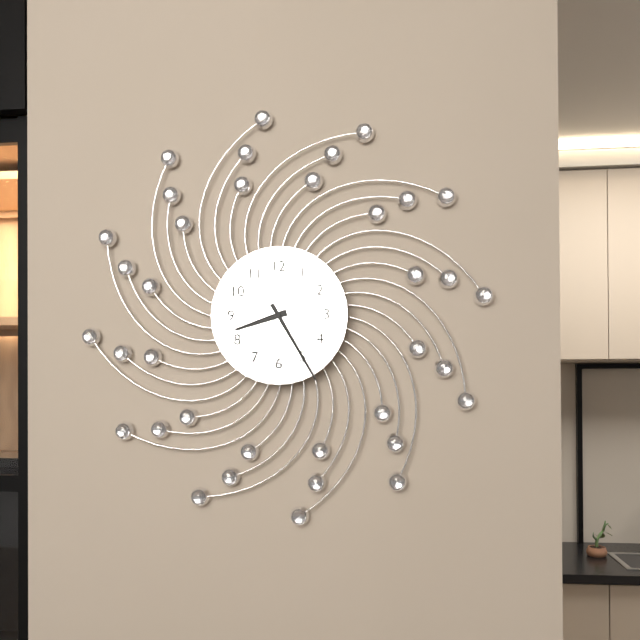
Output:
8 h 25 min
